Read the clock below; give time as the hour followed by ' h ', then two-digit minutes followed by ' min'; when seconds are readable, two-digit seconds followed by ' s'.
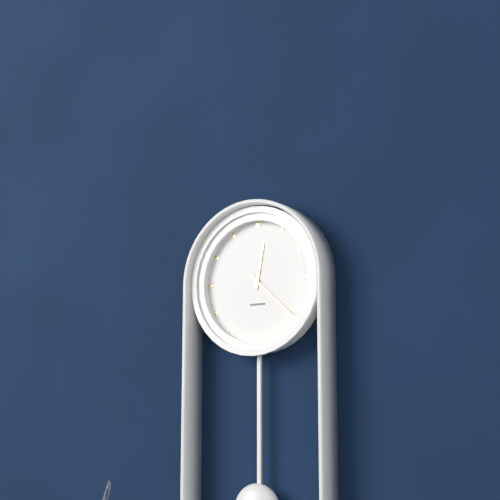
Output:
12 h 22 min
